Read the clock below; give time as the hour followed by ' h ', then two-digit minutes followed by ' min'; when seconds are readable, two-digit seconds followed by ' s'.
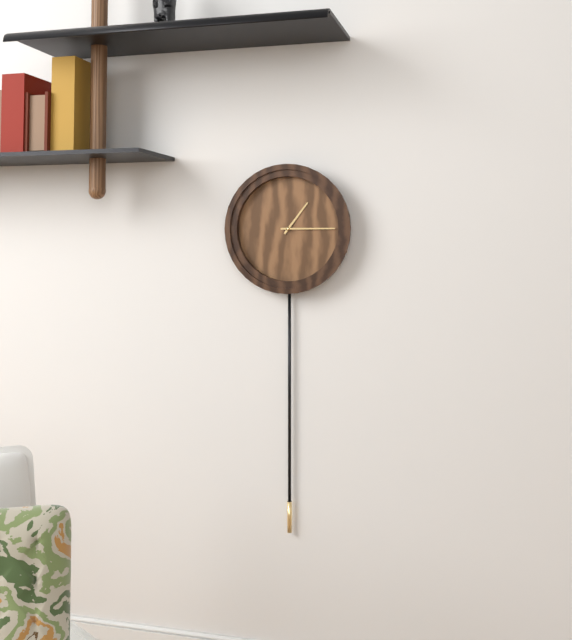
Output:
1 h 15 min
